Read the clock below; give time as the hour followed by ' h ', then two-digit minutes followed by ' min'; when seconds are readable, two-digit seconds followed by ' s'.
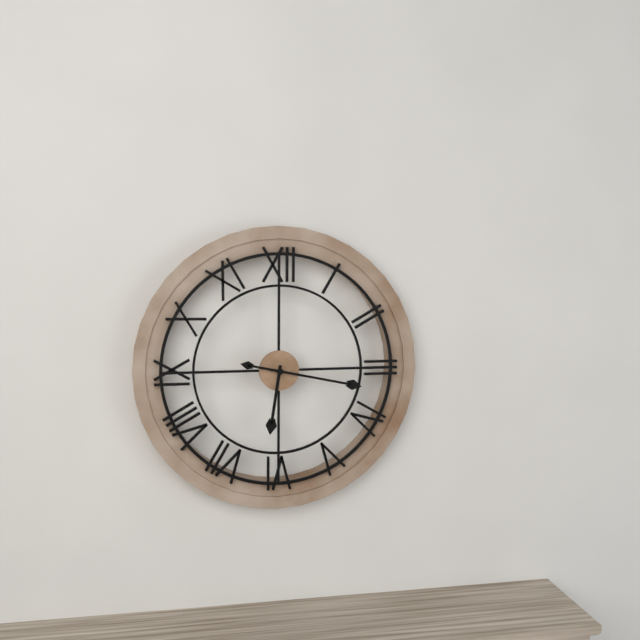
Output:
6 h 17 min
